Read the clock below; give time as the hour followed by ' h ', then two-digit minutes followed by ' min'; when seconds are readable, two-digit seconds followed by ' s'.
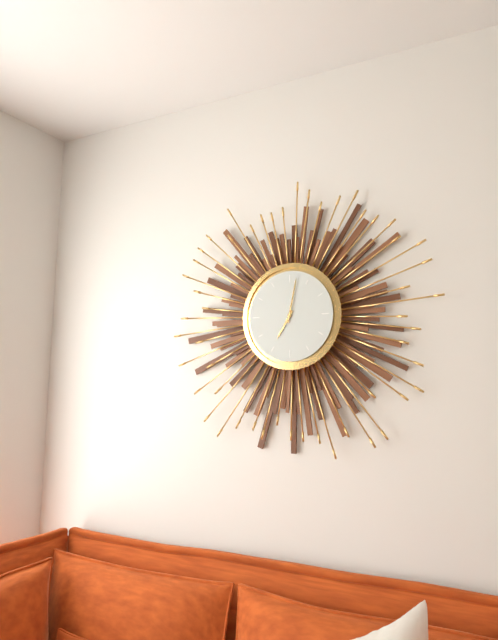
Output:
7 h 02 min
